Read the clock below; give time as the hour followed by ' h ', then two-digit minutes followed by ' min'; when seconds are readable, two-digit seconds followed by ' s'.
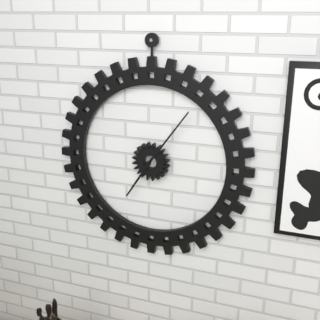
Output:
7 h 06 min
